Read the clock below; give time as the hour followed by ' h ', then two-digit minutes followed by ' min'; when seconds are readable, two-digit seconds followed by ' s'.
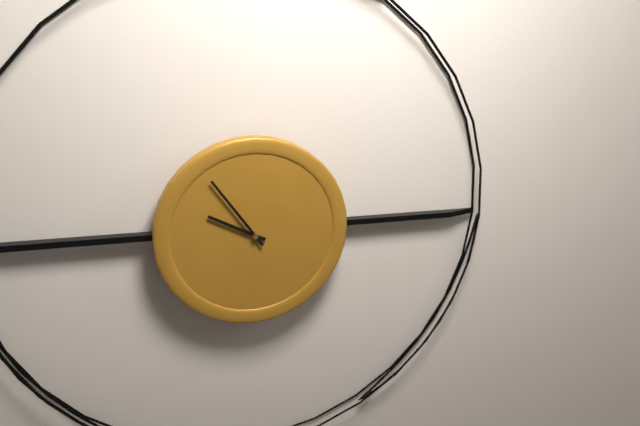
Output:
9 h 54 min
